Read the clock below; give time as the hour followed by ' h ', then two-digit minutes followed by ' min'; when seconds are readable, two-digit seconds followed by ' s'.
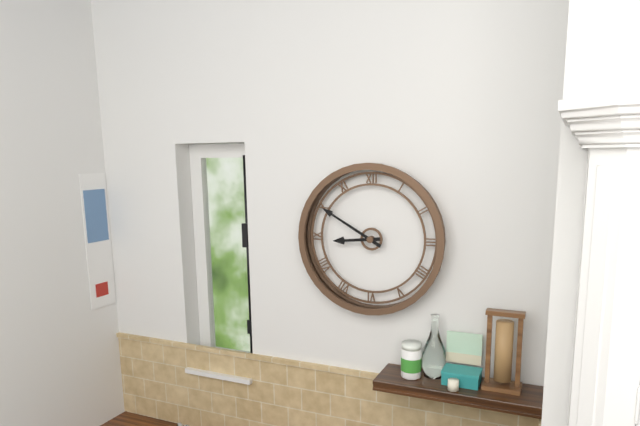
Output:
8 h 50 min
